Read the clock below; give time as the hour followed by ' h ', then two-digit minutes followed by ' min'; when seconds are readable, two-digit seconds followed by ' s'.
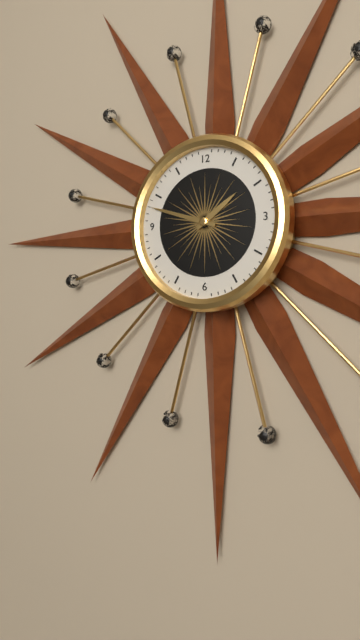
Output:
1 h 48 min
